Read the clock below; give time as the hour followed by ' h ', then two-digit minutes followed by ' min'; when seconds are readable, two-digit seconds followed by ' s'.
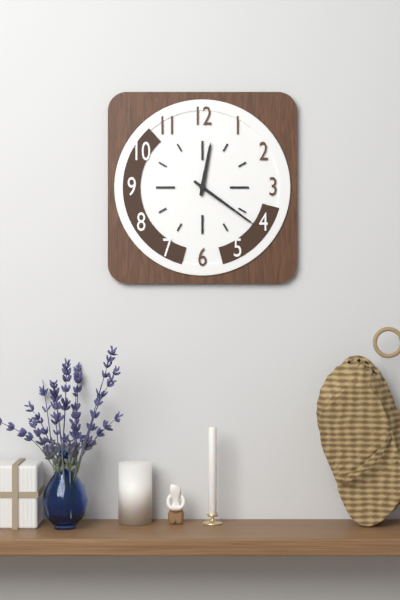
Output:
12 h 21 min
